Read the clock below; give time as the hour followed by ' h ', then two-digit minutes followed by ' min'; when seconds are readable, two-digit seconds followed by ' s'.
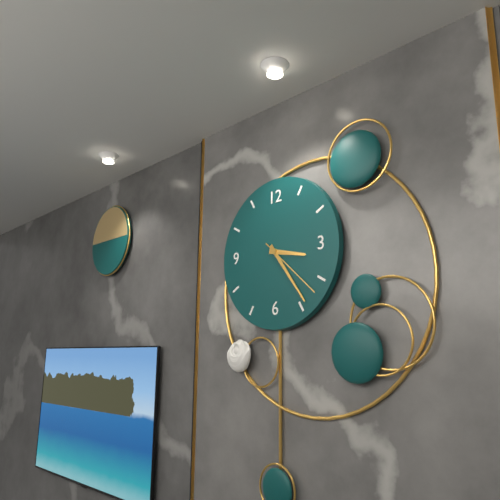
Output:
3 h 24 min 22 s
